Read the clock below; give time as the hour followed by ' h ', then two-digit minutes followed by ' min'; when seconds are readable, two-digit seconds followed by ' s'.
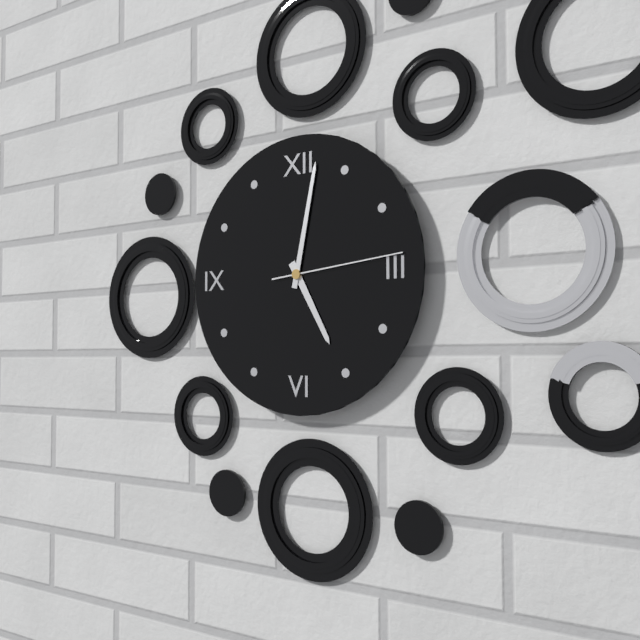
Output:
5 h 02 min 14 s
